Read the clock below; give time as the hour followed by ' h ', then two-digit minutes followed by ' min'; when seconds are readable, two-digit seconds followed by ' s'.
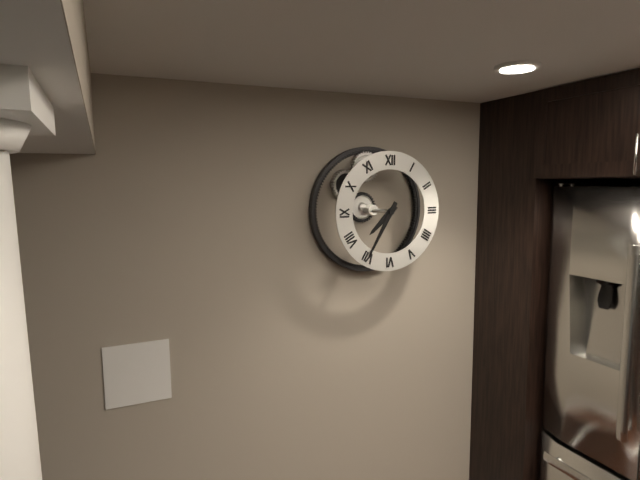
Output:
7 h 35 min
